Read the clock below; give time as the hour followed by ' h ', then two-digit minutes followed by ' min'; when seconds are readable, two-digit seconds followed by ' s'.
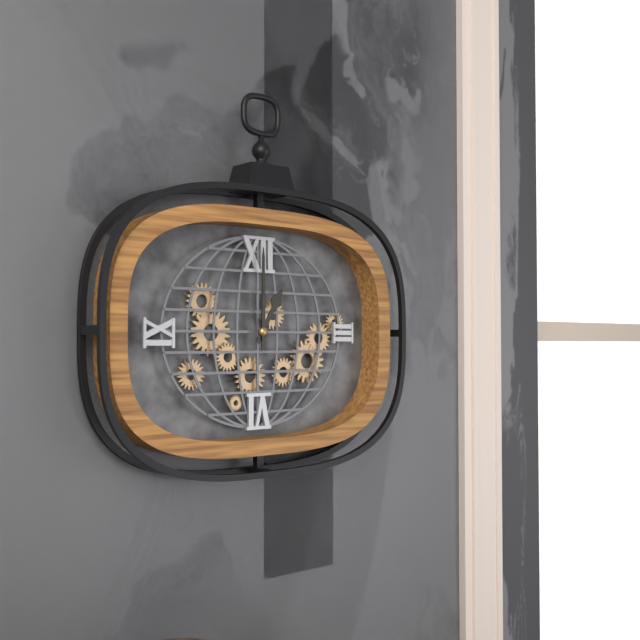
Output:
1 h 00 min
